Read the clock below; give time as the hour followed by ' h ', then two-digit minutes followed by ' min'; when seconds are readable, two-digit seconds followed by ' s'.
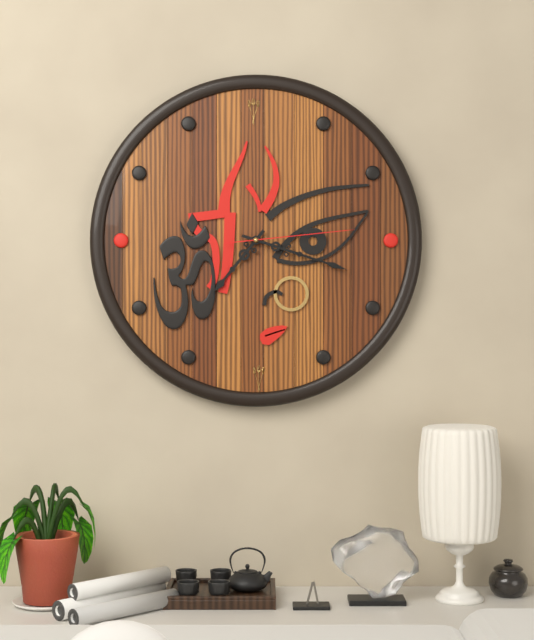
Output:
7 h 18 min 14 s
